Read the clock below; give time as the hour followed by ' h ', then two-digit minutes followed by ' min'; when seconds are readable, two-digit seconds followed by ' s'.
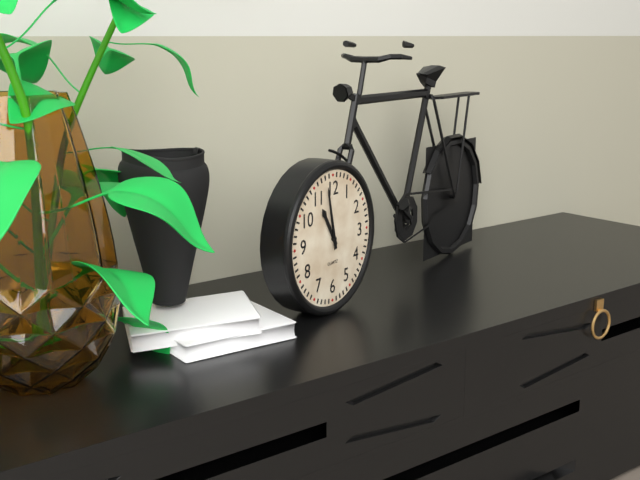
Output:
10 h 58 min
